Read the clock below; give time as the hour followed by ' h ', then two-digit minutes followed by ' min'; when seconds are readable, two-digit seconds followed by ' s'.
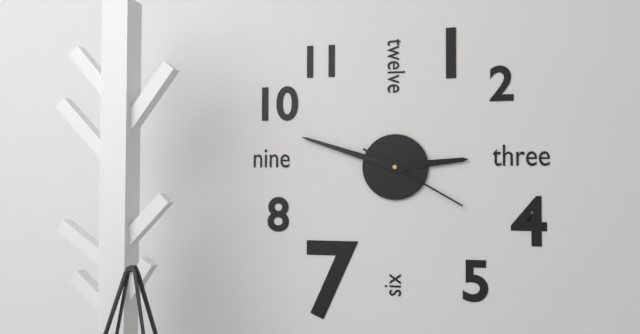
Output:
2 h 48 min 20 s
